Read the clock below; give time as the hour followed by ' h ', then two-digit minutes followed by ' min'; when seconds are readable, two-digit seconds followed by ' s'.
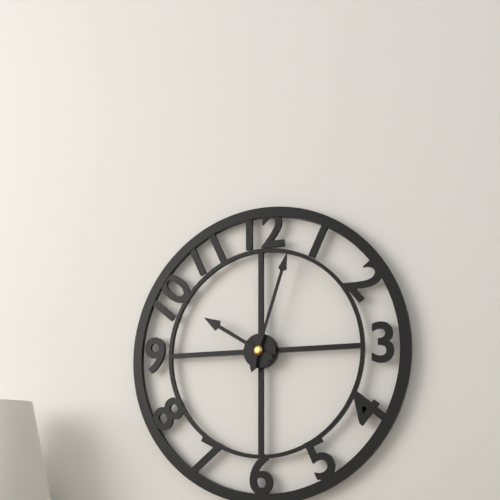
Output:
10 h 03 min
